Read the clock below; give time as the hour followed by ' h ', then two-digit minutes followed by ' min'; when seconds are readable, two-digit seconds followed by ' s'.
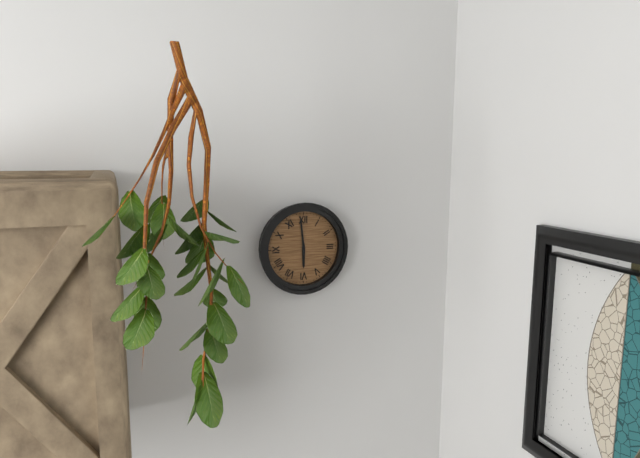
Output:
5 h 59 min
